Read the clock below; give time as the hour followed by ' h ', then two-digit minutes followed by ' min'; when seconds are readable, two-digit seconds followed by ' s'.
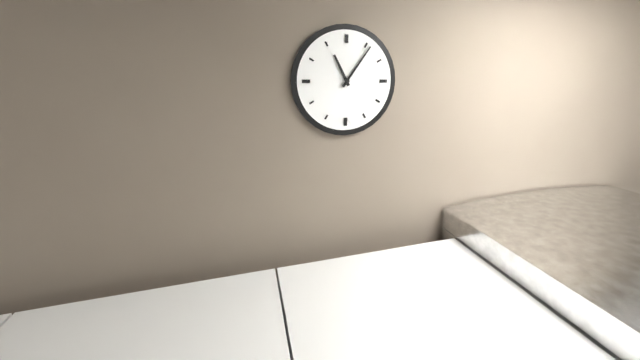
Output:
11 h 06 min
